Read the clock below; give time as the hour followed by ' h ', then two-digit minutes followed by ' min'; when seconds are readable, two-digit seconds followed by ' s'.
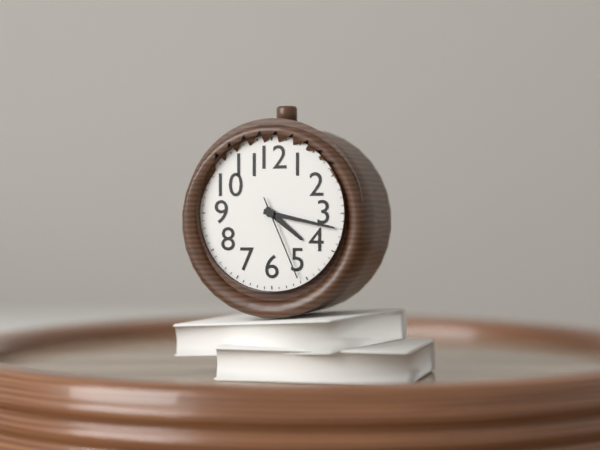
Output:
4 h 17 min 26 s
